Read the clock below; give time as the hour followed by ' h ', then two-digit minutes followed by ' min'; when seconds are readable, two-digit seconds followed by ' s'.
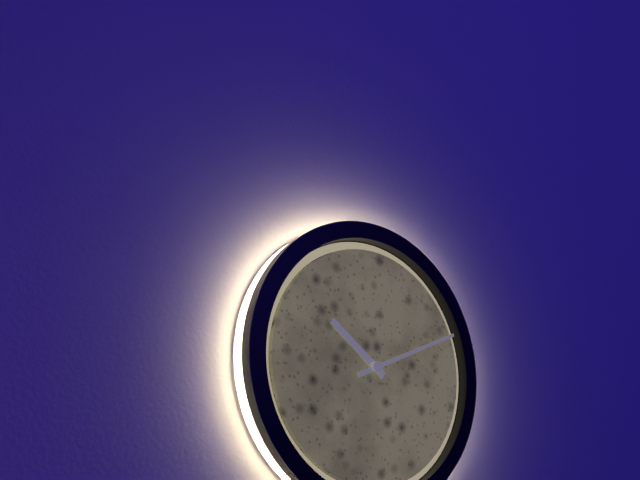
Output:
10 h 11 min
